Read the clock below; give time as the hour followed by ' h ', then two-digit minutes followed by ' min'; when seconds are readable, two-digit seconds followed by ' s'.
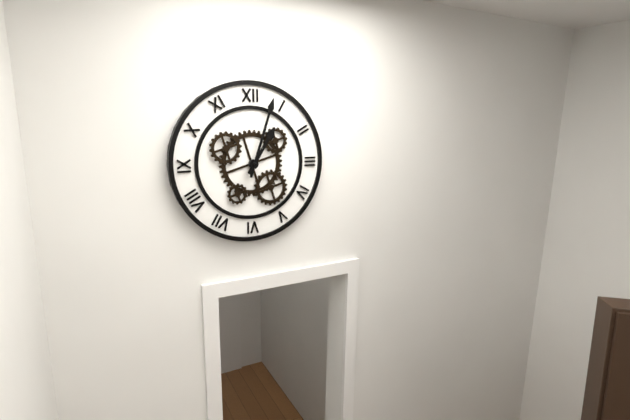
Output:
1 h 03 min
